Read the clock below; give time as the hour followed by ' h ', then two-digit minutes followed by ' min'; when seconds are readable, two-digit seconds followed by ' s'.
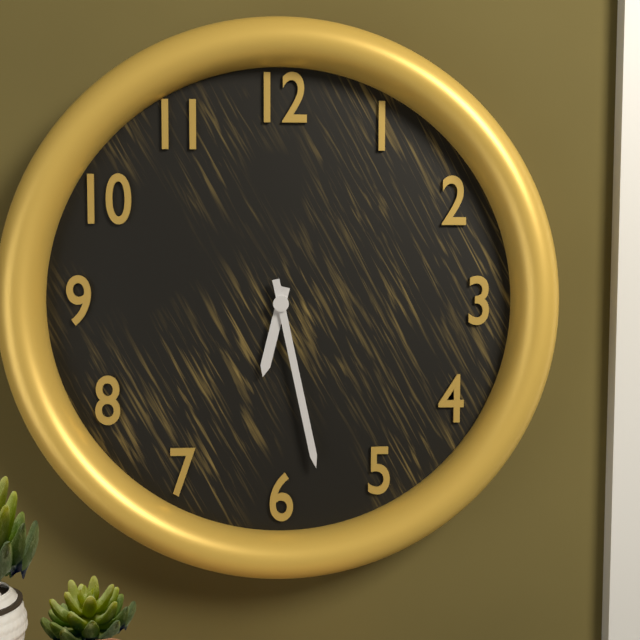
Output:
6 h 28 min
